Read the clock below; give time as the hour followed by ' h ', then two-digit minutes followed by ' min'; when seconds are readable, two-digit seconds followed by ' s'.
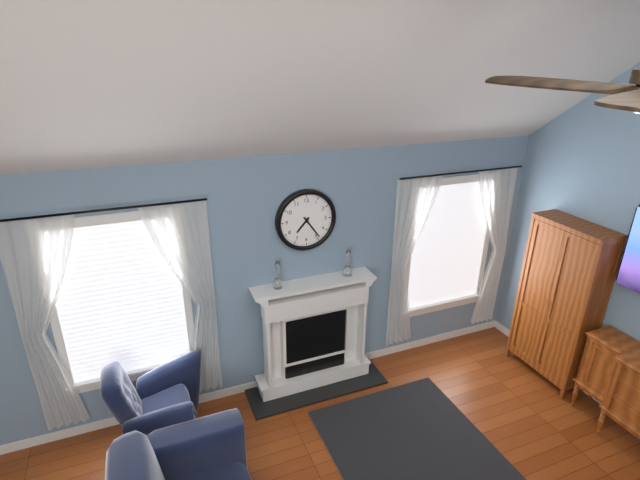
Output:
7 h 24 min
